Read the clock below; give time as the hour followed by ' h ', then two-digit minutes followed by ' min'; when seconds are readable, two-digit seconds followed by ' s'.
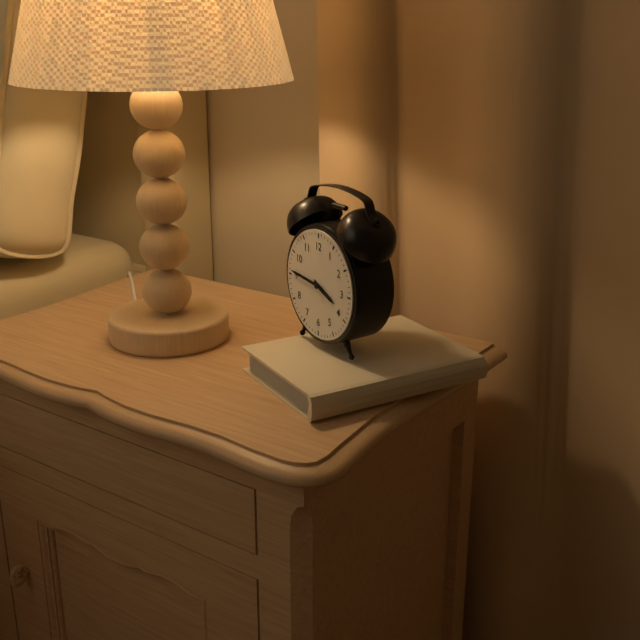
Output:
3 h 46 min
